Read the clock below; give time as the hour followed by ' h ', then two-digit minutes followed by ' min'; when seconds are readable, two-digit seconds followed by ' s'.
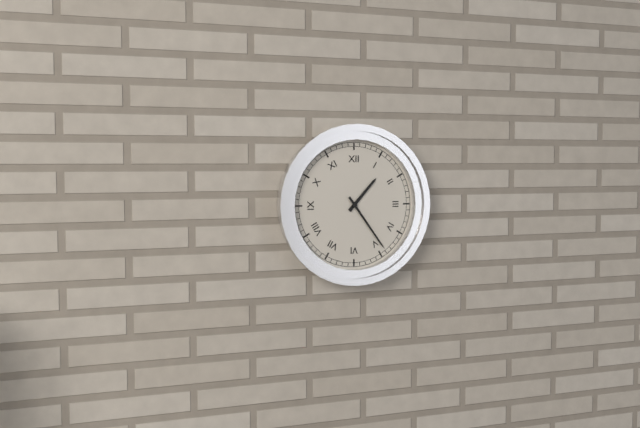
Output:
1 h 24 min
